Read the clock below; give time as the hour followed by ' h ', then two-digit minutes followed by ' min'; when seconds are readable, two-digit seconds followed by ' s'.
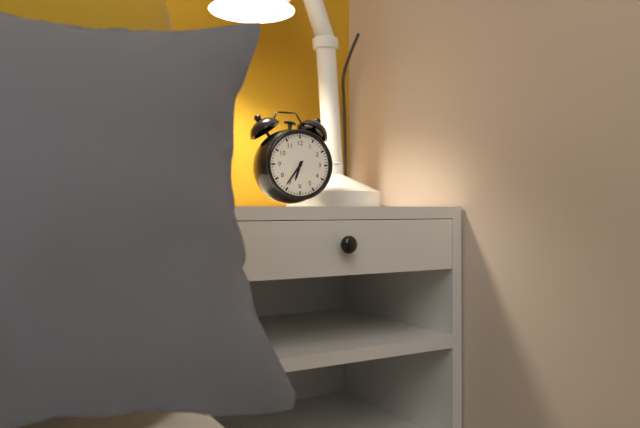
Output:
6 h 36 min
